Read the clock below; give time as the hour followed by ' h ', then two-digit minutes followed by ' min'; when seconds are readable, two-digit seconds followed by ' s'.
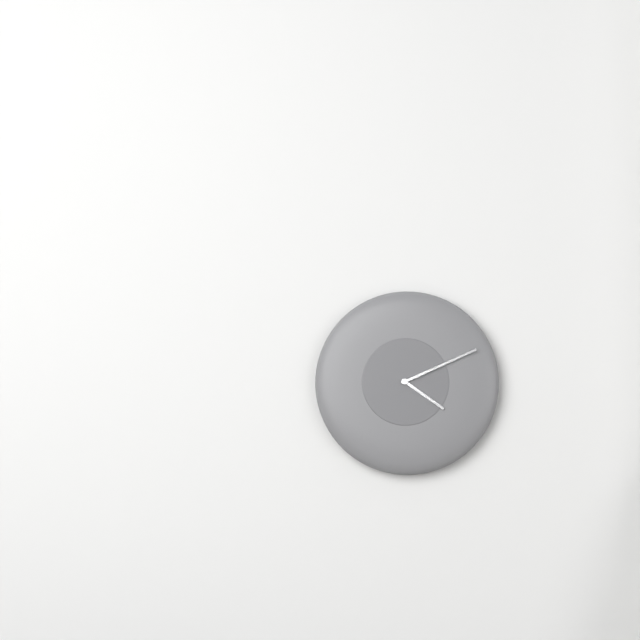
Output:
4 h 11 min
